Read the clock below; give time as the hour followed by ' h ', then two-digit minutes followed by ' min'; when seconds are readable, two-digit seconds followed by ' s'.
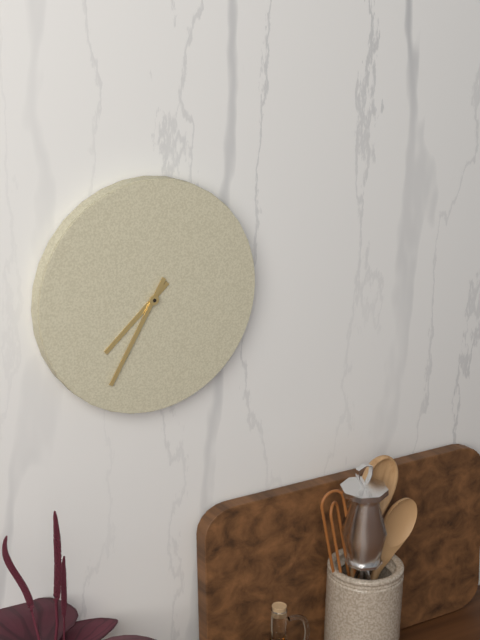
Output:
7 h 35 min
